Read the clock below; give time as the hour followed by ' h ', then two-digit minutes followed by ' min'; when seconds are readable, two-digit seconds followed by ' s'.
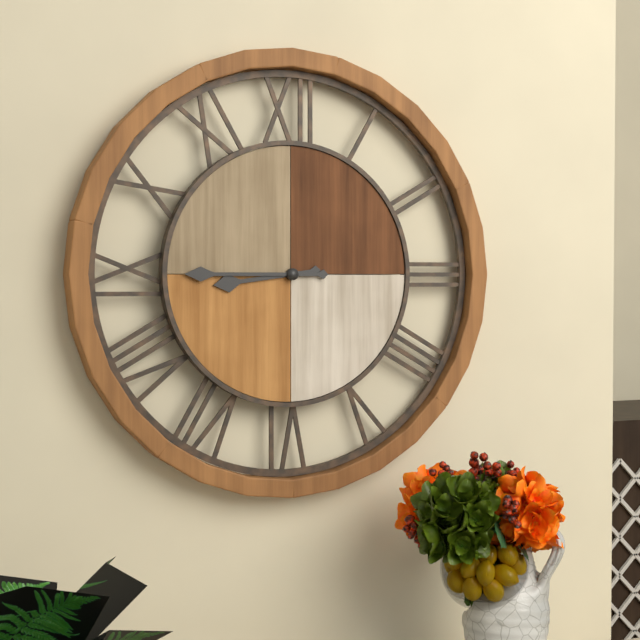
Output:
8 h 45 min
